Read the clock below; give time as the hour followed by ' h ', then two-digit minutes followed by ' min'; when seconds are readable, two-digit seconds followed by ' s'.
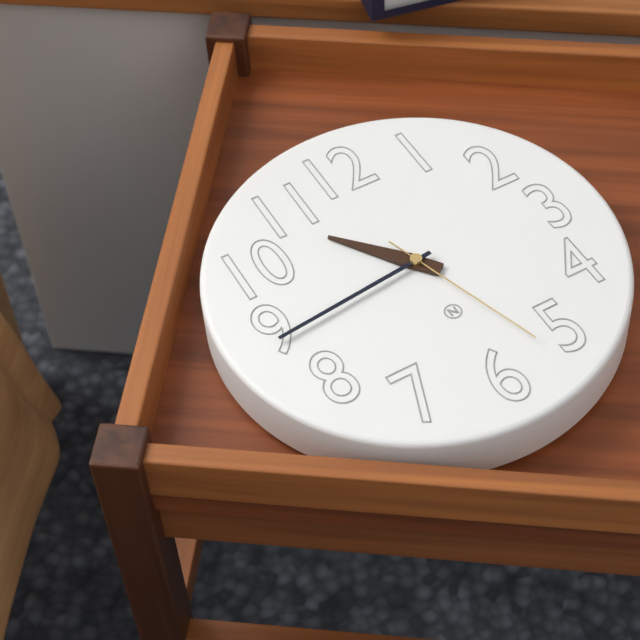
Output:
10 h 44 min 27 s
